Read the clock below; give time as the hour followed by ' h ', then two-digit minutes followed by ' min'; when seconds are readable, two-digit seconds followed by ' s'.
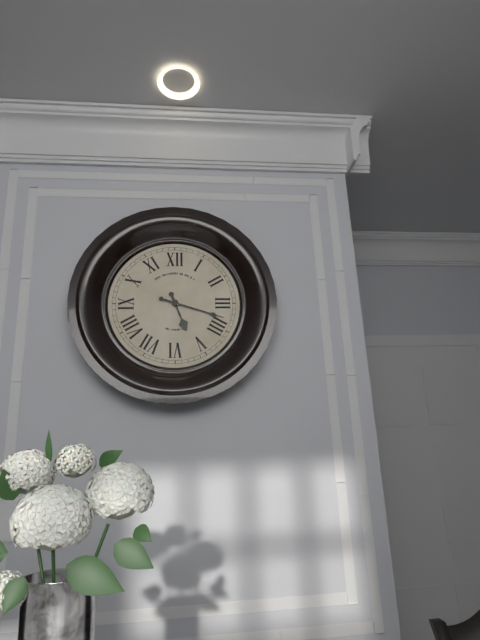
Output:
5 h 18 min
